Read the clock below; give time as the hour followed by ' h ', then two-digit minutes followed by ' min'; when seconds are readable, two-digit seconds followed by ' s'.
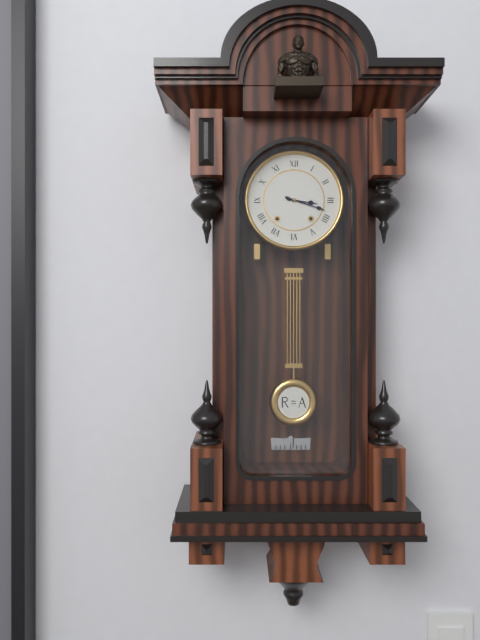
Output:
3 h 18 min
